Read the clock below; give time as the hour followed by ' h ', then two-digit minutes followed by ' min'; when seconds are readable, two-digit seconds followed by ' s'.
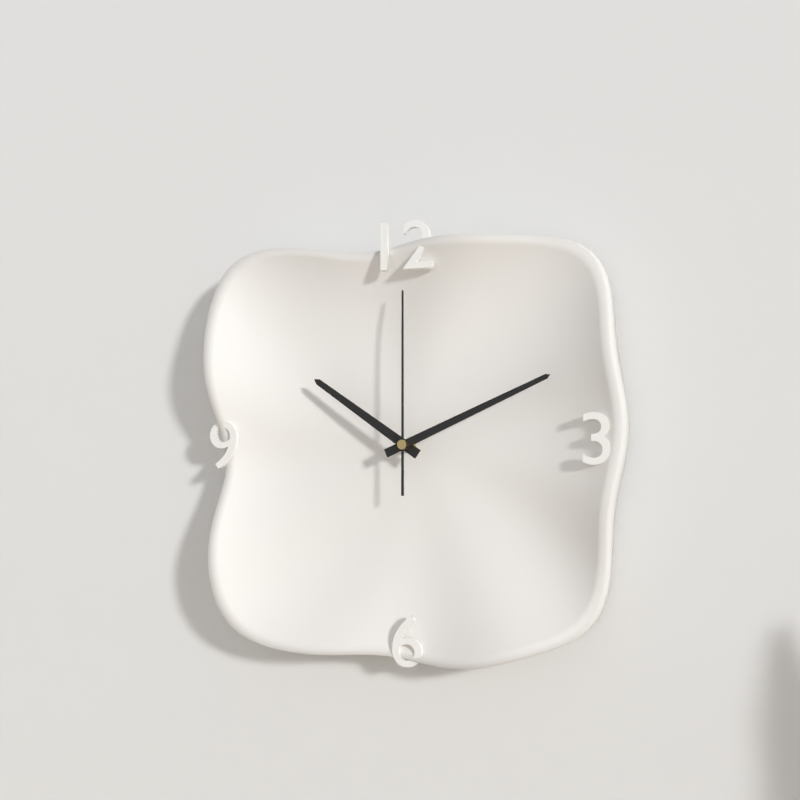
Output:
10 h 11 min 00 s
